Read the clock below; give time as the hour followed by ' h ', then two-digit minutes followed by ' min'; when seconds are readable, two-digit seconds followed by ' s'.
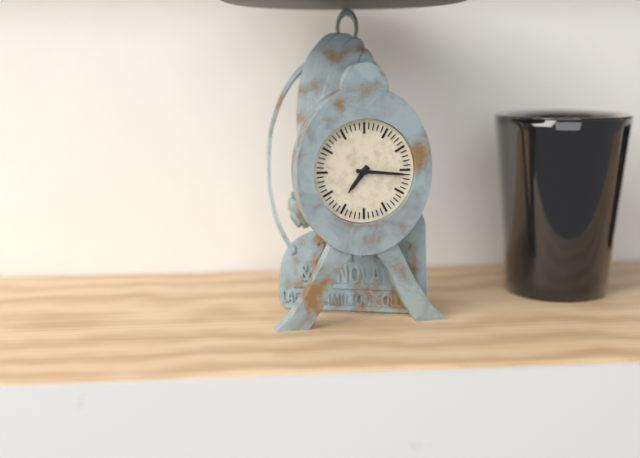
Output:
7 h 16 min
